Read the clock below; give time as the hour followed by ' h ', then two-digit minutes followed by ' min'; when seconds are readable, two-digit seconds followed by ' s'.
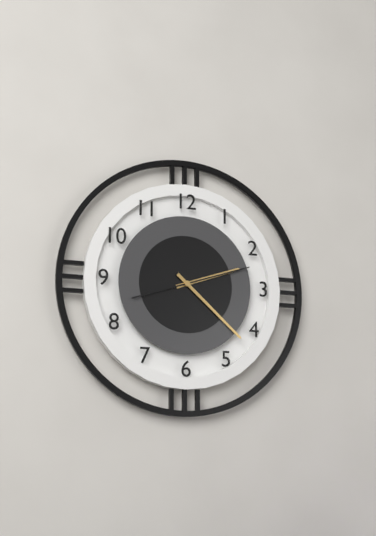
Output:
2 h 22 min 12 s
